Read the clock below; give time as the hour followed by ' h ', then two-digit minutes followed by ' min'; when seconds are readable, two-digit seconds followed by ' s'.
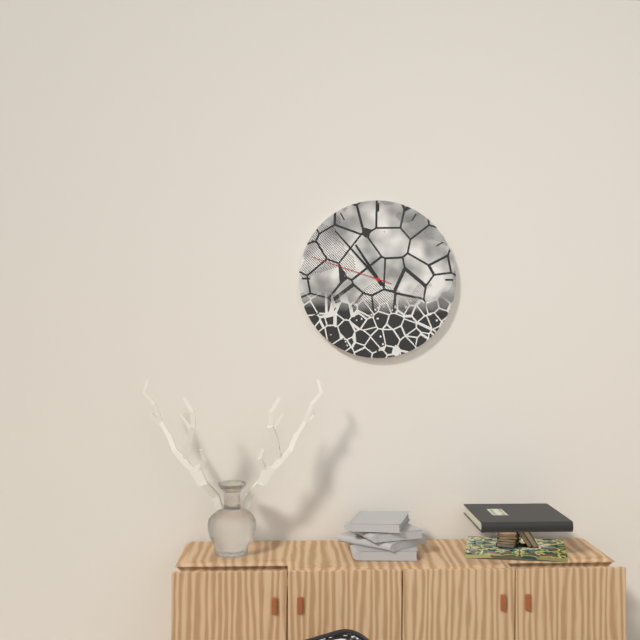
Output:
10 h 53 min 48 s
